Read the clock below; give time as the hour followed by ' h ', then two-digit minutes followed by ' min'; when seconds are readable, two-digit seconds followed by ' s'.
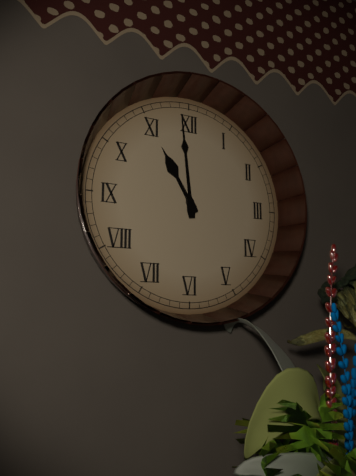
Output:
10 h 59 min
